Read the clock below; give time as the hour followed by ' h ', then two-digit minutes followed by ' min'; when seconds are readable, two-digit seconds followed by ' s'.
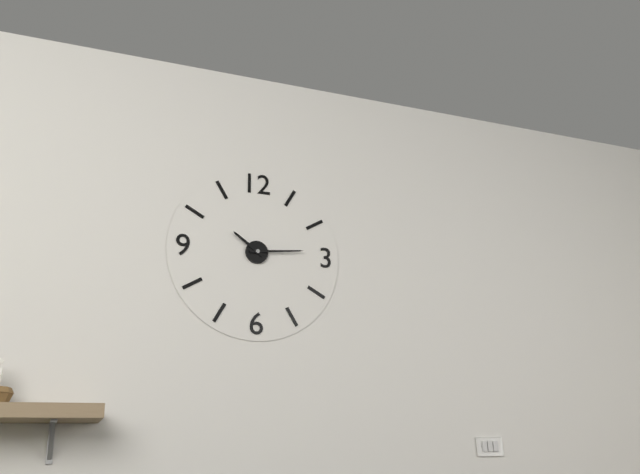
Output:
10 h 14 min
